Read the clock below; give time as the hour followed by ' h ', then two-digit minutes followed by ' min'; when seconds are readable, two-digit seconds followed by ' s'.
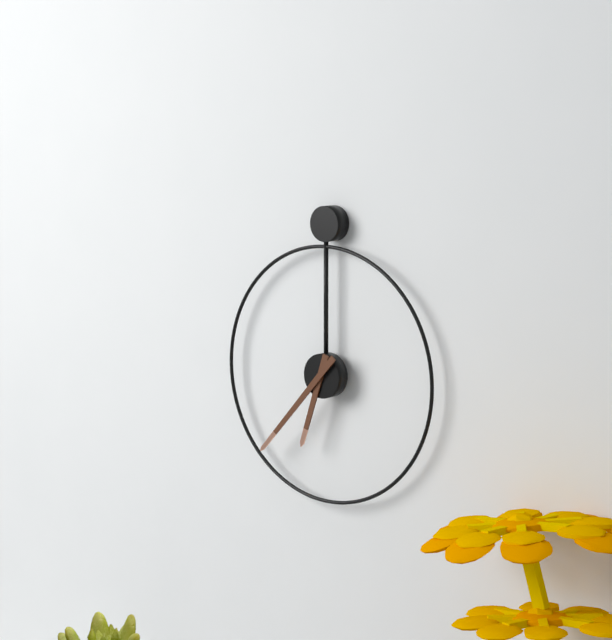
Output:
6 h 37 min
